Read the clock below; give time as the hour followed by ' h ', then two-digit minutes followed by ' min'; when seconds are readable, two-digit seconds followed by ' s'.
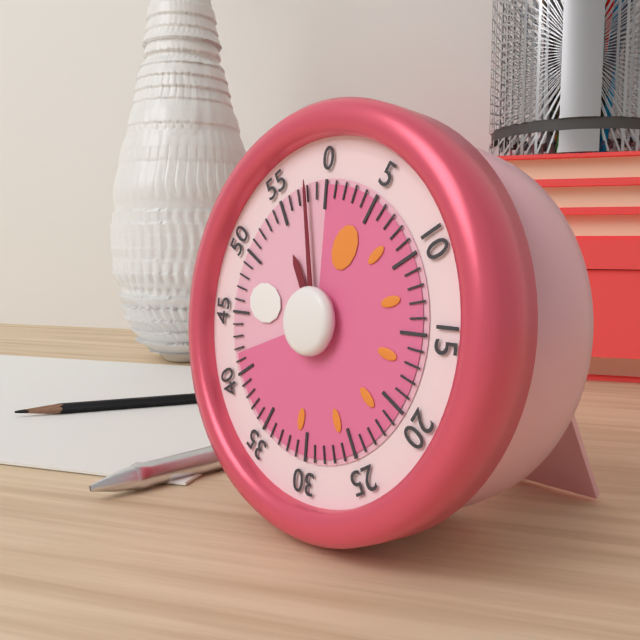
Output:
10 h 58 min
